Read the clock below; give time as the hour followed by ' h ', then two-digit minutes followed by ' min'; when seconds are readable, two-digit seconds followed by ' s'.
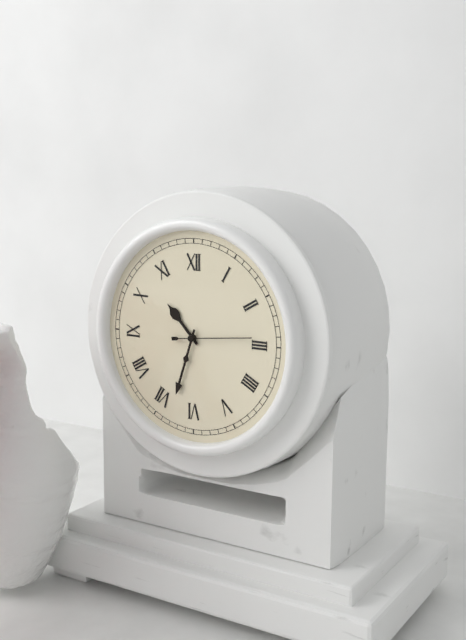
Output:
10 h 33 min 14 s
